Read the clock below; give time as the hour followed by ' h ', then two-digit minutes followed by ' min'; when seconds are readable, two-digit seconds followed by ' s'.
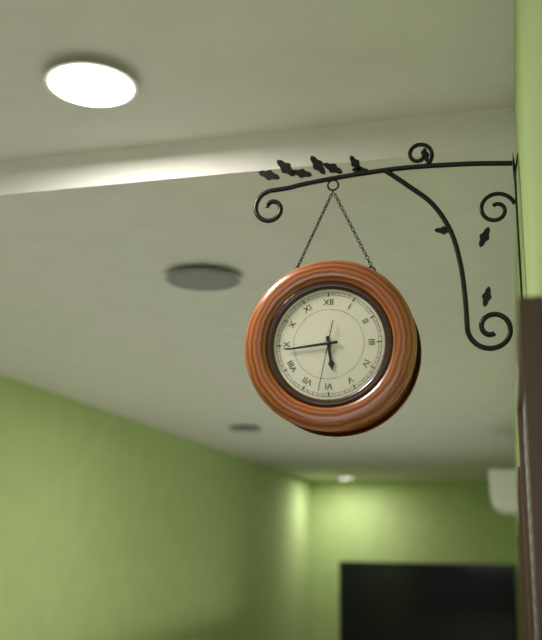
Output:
5 h 44 min 32 s
